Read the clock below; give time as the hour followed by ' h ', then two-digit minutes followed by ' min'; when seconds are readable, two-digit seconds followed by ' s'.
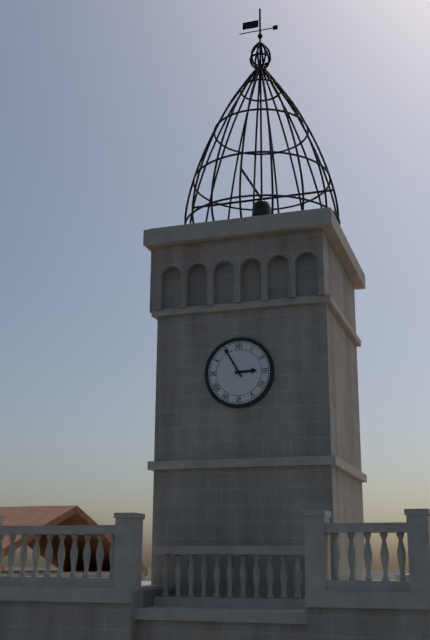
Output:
2 h 55 min
